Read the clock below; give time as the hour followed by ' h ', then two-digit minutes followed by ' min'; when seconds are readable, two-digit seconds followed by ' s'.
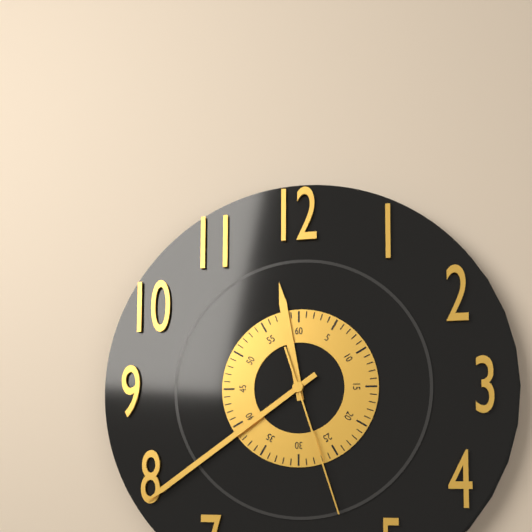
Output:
11 h 39 min 27 s
